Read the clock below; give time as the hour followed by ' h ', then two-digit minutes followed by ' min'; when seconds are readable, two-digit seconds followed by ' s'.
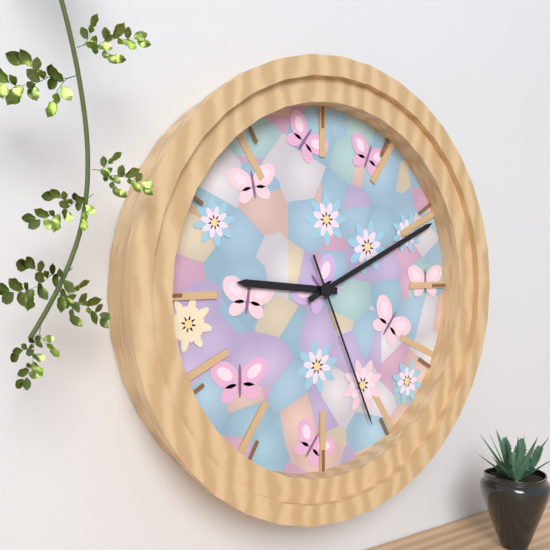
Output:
9 h 11 min 26 s
